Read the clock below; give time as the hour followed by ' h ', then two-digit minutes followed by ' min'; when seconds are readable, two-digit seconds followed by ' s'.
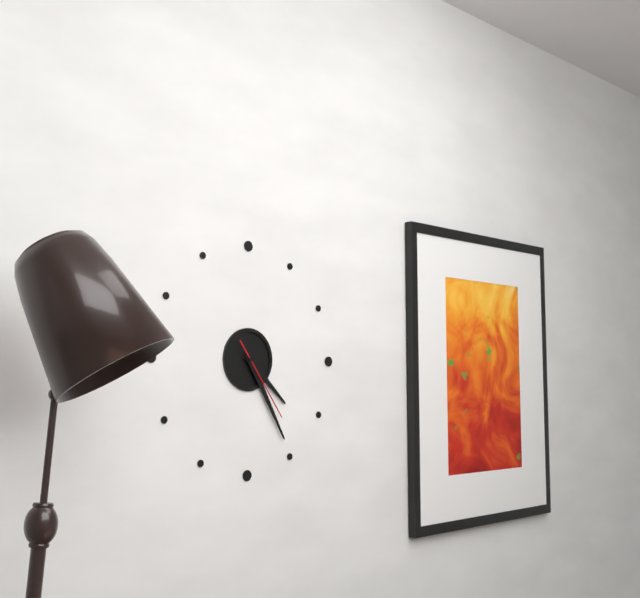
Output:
4 h 25 min 24 s
